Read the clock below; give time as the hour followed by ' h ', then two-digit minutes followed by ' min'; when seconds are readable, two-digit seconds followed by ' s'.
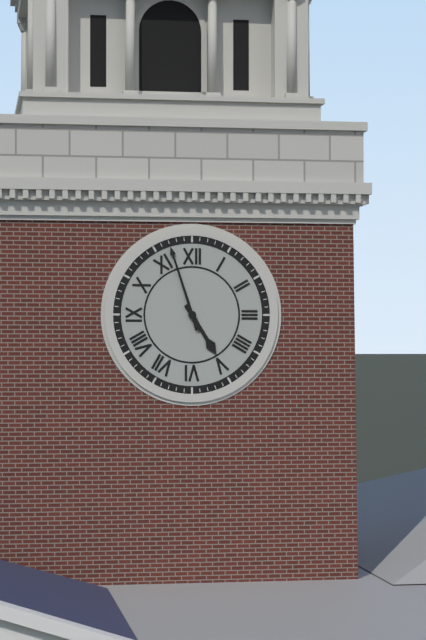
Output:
4 h 57 min
